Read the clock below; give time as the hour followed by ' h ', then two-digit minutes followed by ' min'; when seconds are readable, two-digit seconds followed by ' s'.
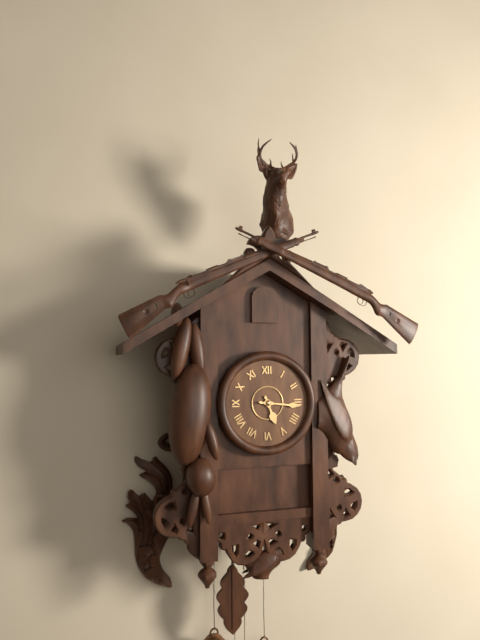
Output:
5 h 16 min
